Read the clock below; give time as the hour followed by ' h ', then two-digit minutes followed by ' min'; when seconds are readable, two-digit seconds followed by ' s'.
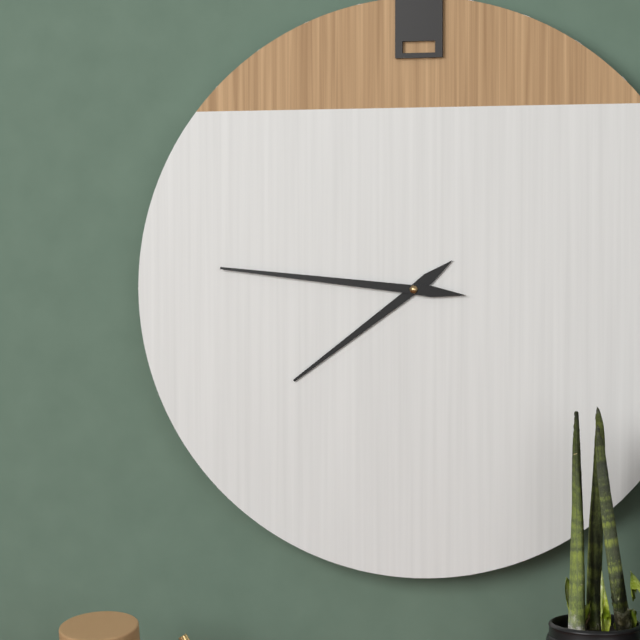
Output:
7 h 46 min
